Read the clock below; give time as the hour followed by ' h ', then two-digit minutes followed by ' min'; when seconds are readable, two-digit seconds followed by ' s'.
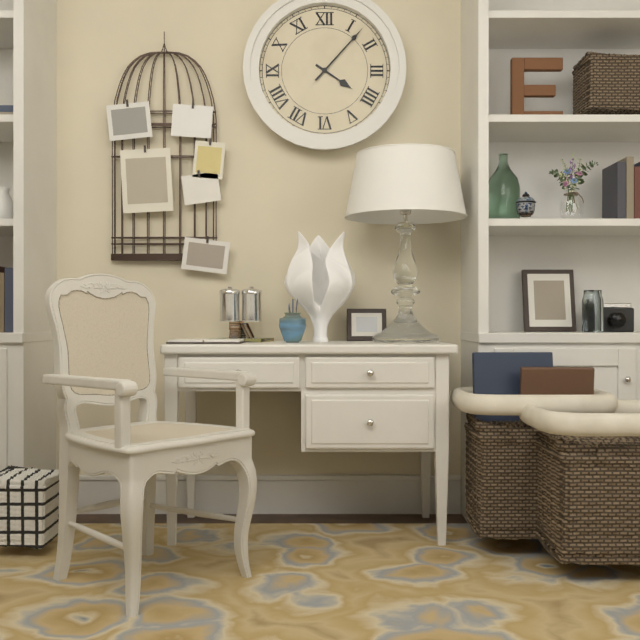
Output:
4 h 07 min
